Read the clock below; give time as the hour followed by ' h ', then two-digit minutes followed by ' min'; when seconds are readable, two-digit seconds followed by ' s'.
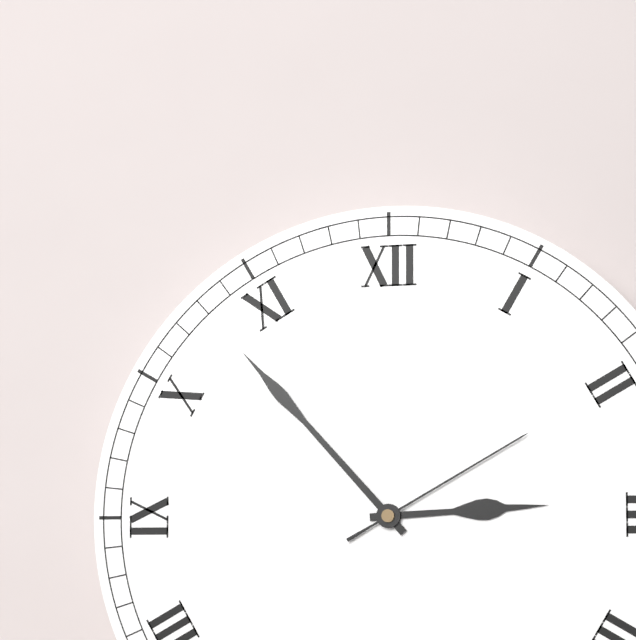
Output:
2 h 53 min 10 s
